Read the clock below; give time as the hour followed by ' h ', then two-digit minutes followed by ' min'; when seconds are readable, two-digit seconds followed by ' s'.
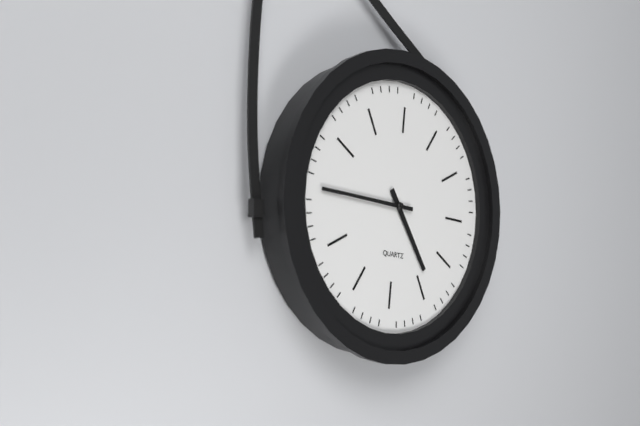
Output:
4 h 45 min
